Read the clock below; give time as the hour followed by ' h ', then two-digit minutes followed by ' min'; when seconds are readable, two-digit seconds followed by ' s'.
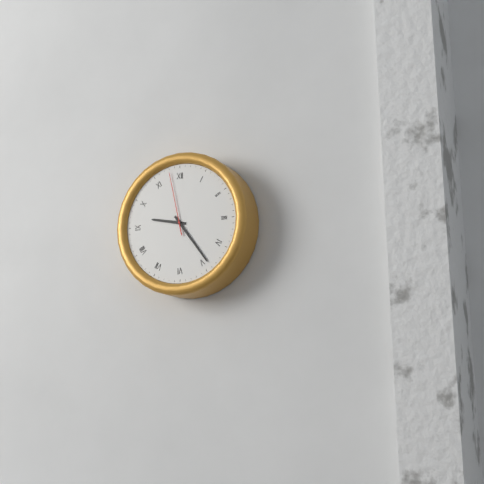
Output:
9 h 24 min 58 s
